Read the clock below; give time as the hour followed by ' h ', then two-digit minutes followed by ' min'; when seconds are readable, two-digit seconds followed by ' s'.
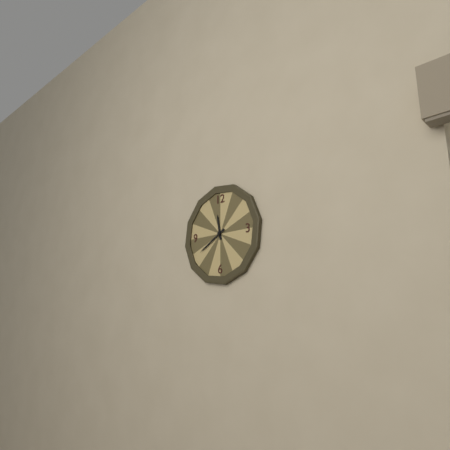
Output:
11 h 40 min
